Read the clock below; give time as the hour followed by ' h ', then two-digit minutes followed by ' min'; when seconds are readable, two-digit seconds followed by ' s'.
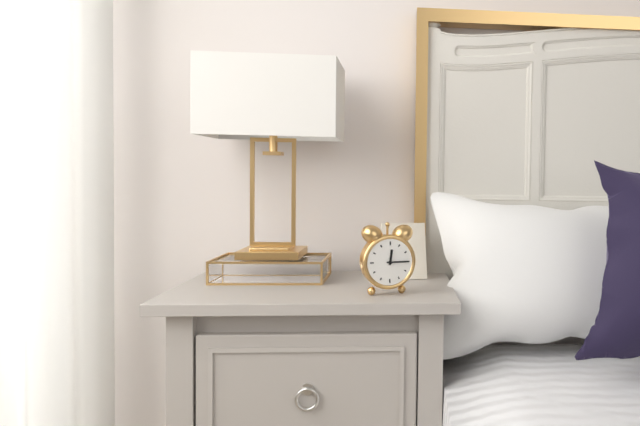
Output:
12 h 15 min
